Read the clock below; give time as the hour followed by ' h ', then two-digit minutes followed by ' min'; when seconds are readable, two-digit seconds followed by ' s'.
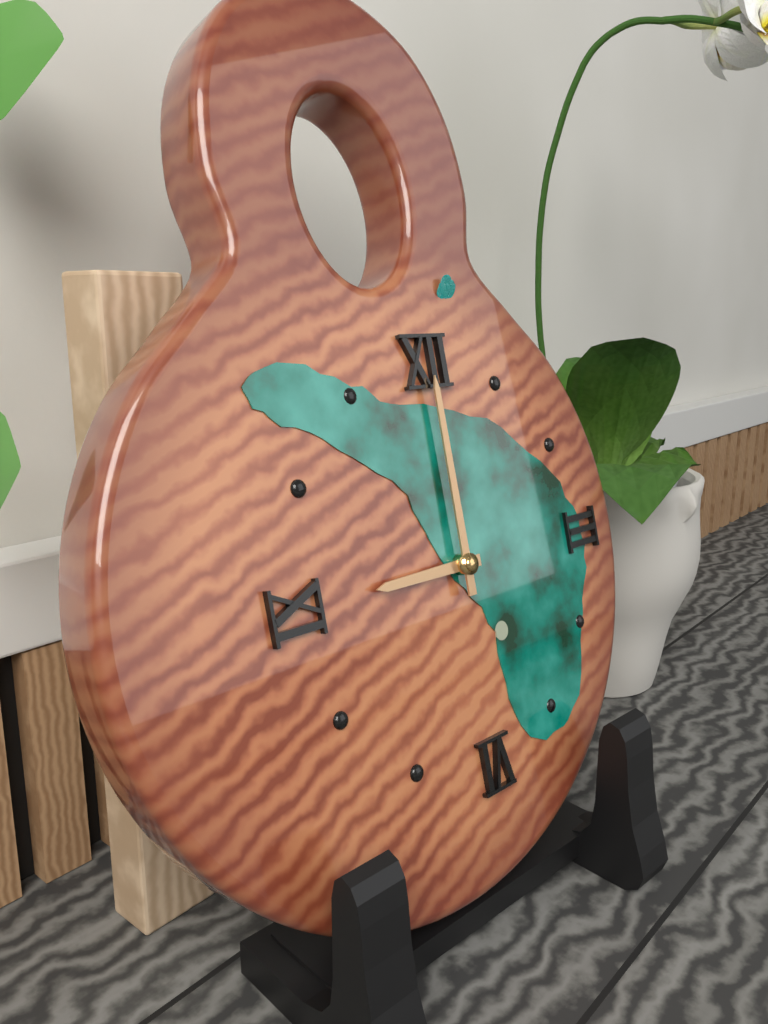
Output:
9 h 00 min
